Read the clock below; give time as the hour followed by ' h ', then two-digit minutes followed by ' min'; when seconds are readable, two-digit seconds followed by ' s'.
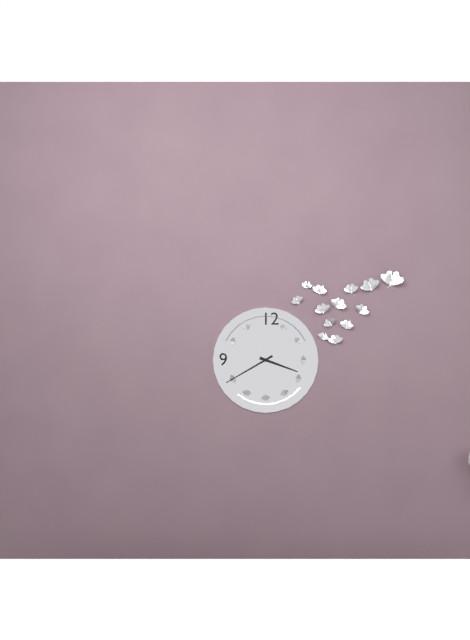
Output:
3 h 40 min
